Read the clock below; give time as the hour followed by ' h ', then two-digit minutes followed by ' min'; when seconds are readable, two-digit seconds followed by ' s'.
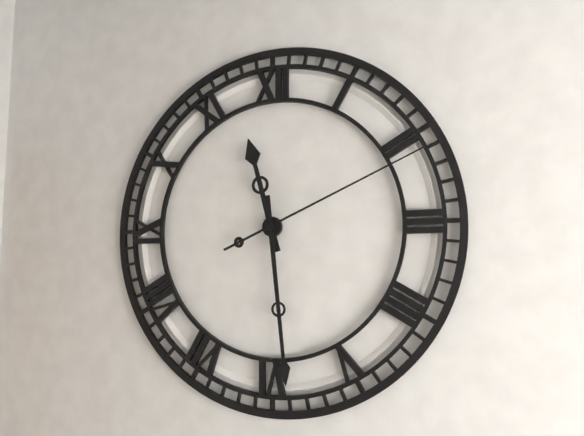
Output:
11 h 29 min 11 s
